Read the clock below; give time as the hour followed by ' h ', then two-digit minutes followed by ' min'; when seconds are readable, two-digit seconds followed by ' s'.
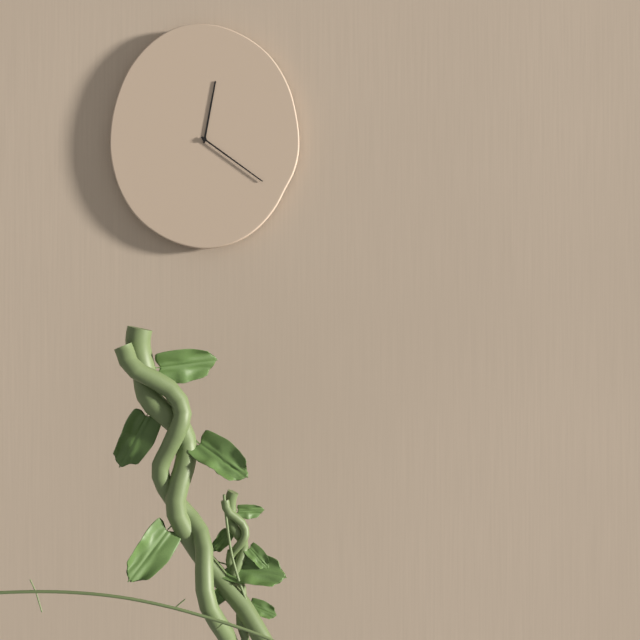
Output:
12 h 21 min
